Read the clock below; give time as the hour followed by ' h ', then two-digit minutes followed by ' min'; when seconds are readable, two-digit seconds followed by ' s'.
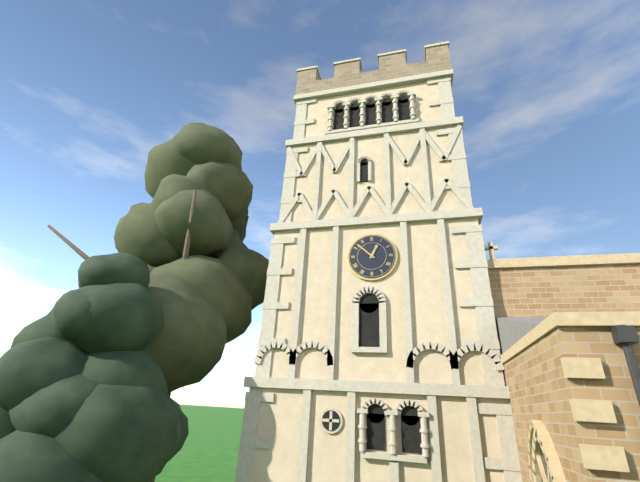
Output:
12 h 52 min
